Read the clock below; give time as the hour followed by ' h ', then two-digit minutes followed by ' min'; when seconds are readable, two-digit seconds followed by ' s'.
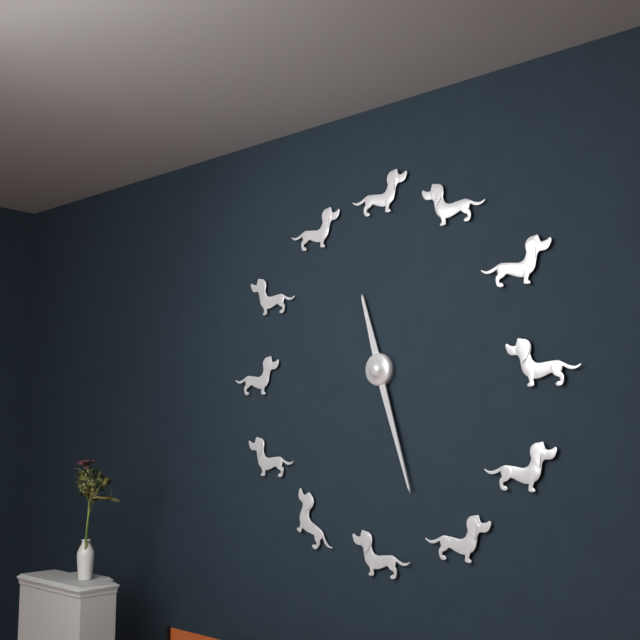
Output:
11 h 27 min
